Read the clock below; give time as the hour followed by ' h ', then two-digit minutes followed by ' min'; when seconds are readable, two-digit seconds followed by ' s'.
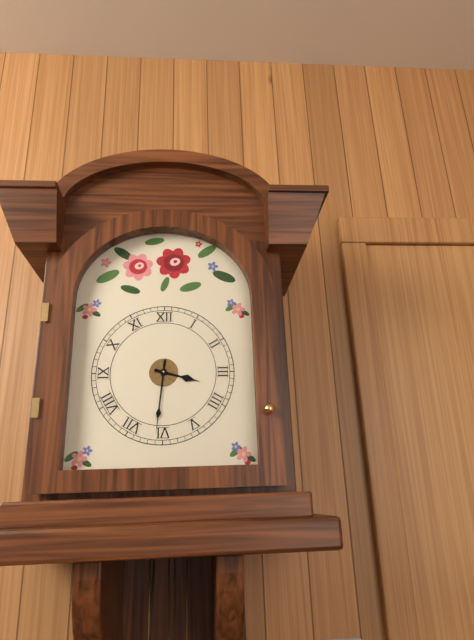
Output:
3 h 31 min
